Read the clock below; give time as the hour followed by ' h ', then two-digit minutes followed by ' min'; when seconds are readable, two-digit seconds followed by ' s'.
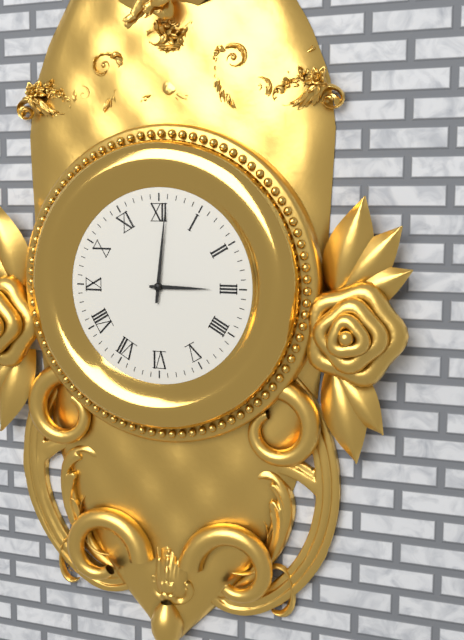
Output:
3 h 01 min
